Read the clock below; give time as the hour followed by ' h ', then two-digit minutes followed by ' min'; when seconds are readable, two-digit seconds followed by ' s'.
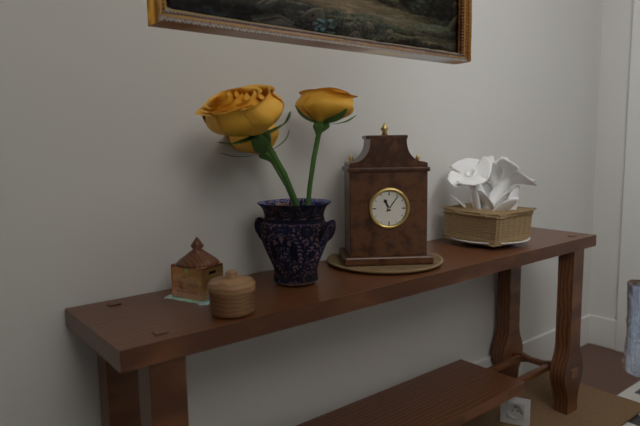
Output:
11 h 06 min
